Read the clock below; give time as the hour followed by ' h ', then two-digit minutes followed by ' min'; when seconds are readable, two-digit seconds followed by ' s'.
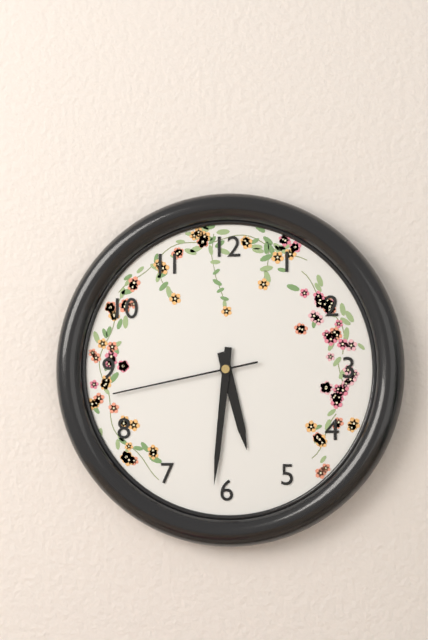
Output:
5 h 31 min 43 s
